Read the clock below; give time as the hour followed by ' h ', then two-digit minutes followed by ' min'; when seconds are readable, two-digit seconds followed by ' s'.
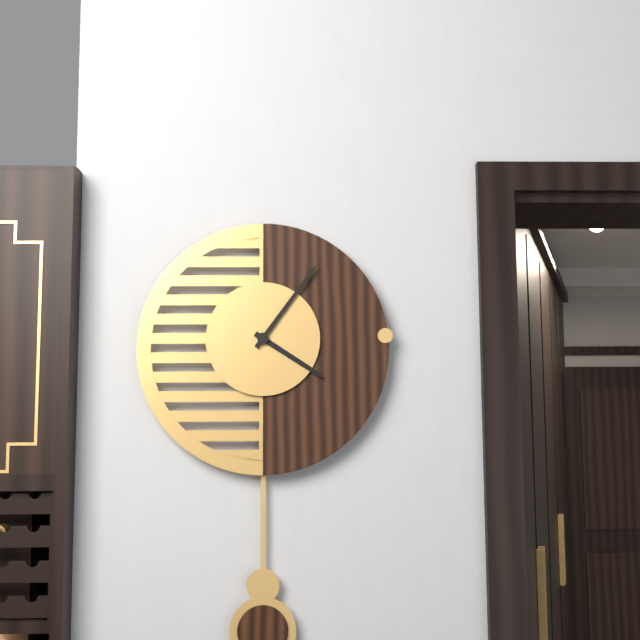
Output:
4 h 06 min
